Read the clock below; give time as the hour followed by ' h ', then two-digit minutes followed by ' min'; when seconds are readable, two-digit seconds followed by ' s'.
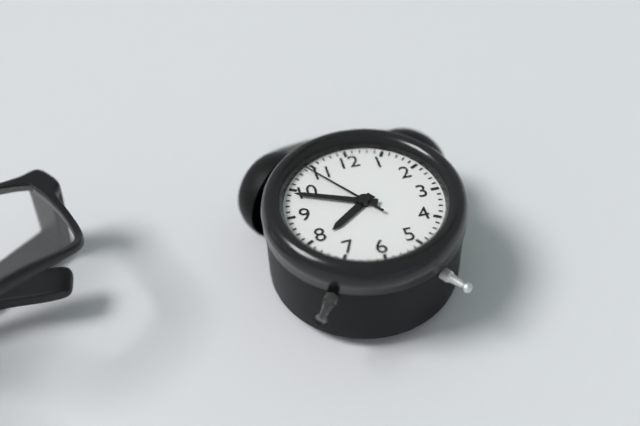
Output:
7 h 49 min 54 s
